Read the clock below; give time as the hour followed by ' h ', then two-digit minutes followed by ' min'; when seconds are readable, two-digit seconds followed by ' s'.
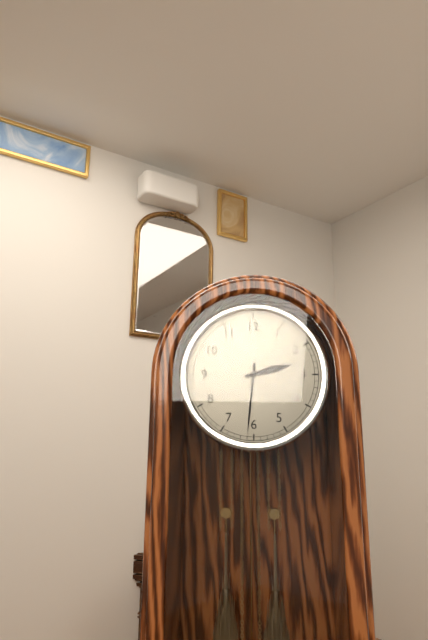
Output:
2 h 31 min
